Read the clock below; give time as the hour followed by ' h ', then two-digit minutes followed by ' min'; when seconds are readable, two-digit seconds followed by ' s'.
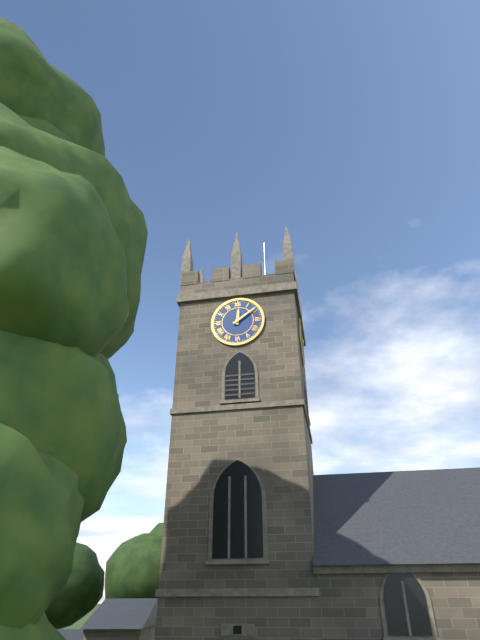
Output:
12 h 09 min
